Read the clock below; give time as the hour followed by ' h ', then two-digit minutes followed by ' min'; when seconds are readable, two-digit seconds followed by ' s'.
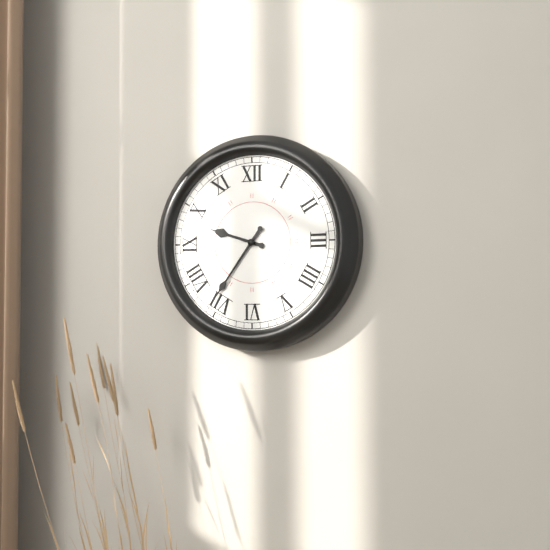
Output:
9 h 36 min
